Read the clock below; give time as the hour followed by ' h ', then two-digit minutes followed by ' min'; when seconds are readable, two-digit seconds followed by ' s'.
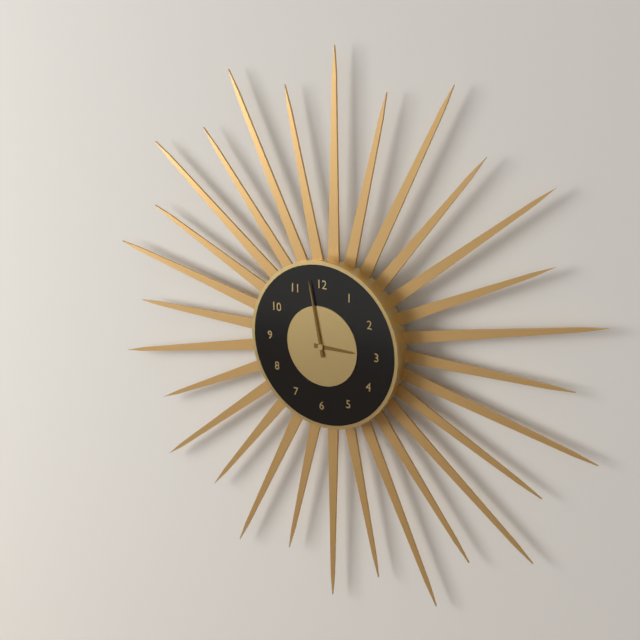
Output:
2 h 58 min
